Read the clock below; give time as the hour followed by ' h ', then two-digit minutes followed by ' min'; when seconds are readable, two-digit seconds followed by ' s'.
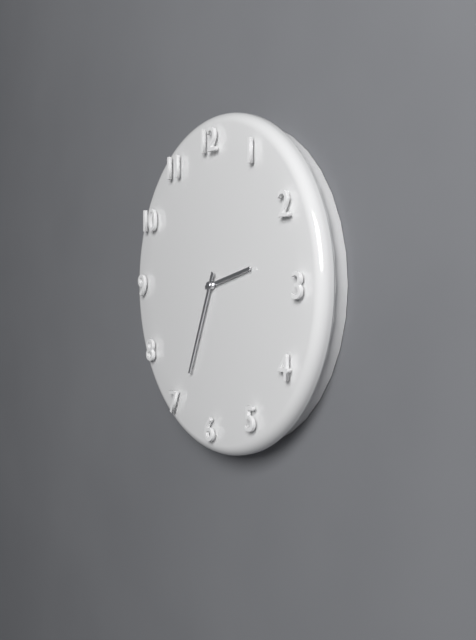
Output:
2 h 34 min
